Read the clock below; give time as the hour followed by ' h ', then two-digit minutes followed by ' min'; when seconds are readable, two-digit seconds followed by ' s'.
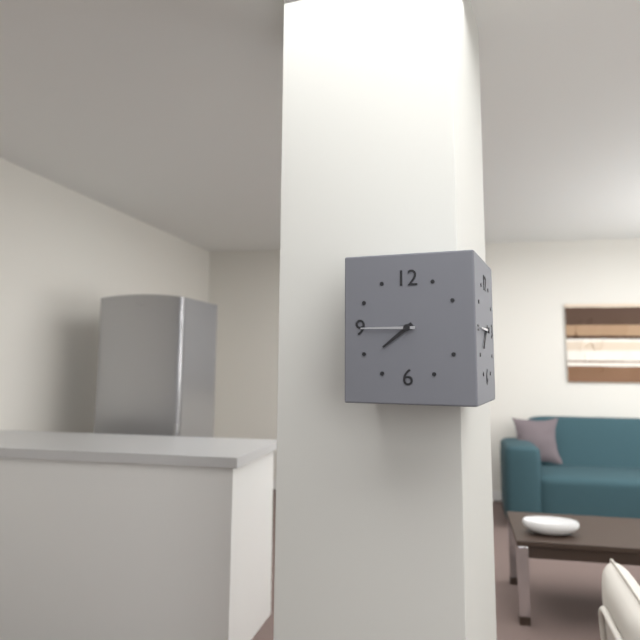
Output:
7 h 45 min
